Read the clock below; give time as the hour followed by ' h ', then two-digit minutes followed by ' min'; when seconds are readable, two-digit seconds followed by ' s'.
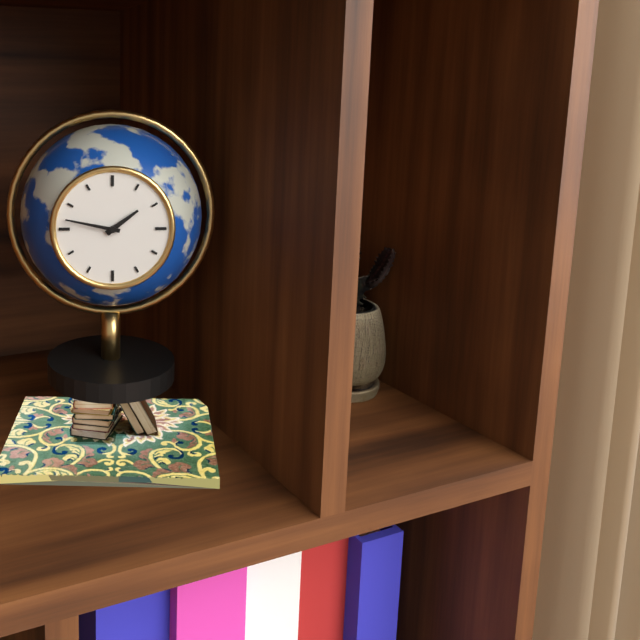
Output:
1 h 47 min
